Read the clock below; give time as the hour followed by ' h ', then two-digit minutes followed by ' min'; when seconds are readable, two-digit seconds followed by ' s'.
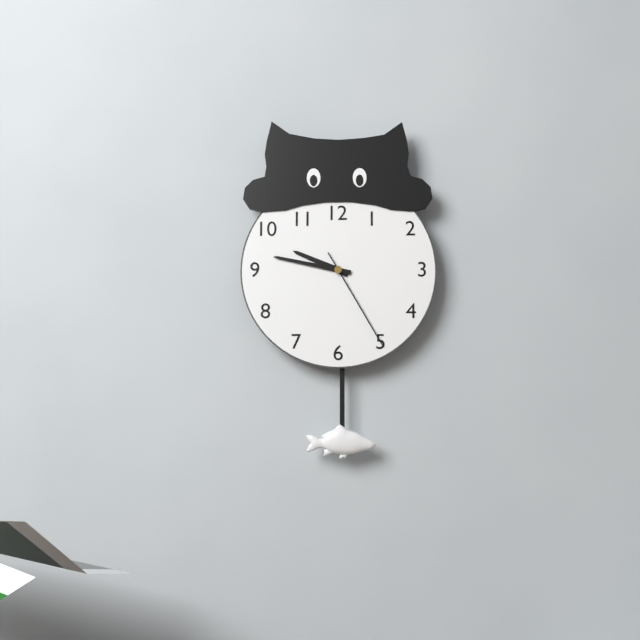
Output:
9 h 47 min 25 s
